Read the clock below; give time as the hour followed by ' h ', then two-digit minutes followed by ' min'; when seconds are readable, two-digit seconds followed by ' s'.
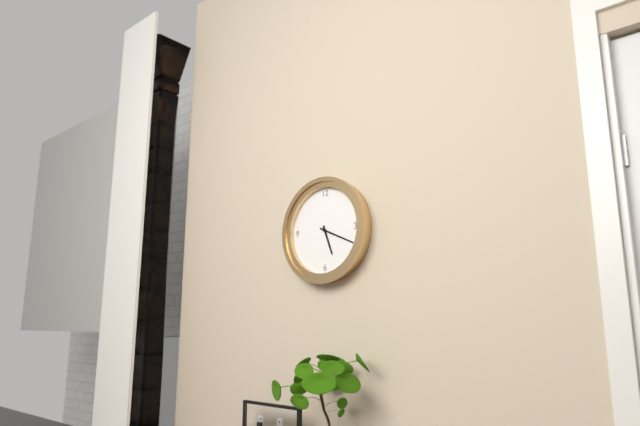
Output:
5 h 19 min
